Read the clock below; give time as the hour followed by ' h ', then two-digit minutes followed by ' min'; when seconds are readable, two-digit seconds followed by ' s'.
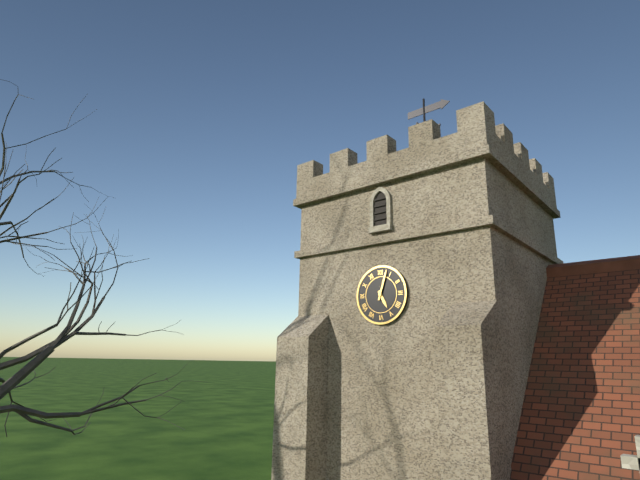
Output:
5 h 03 min
